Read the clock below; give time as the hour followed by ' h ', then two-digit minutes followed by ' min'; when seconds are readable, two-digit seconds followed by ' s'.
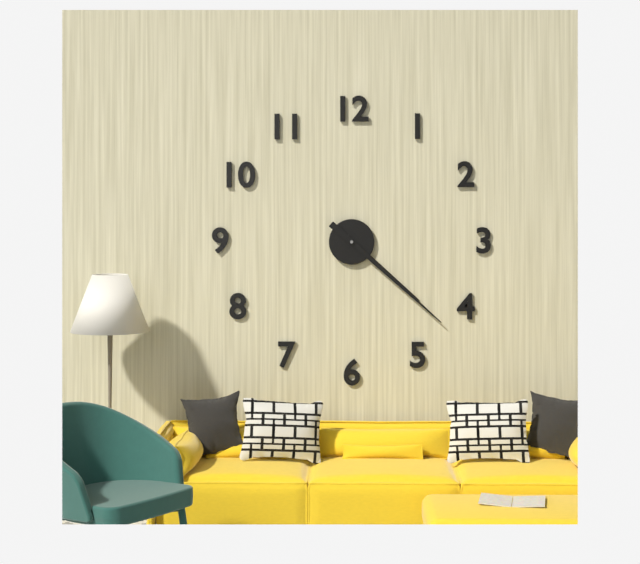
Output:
4 h 22 min
